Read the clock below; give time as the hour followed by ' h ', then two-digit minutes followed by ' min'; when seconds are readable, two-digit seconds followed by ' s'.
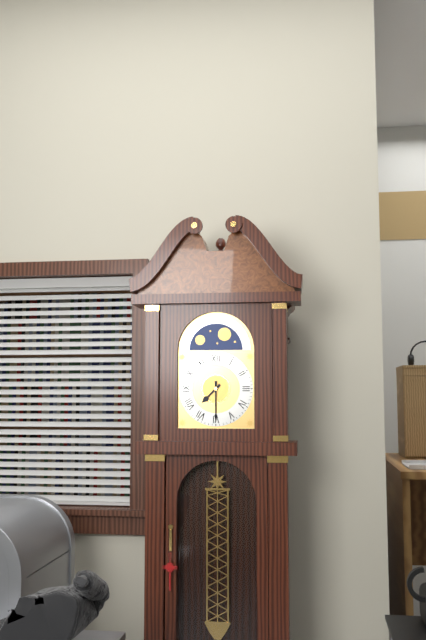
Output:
7 h 30 min
